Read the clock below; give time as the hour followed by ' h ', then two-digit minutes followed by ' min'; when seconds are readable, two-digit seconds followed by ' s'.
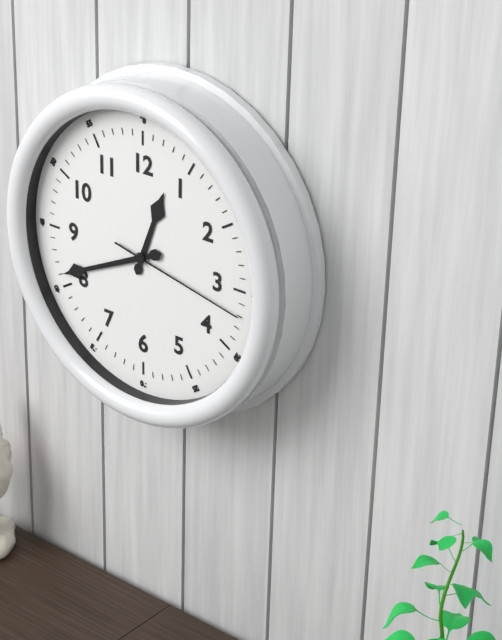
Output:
12 h 41 min 17 s
